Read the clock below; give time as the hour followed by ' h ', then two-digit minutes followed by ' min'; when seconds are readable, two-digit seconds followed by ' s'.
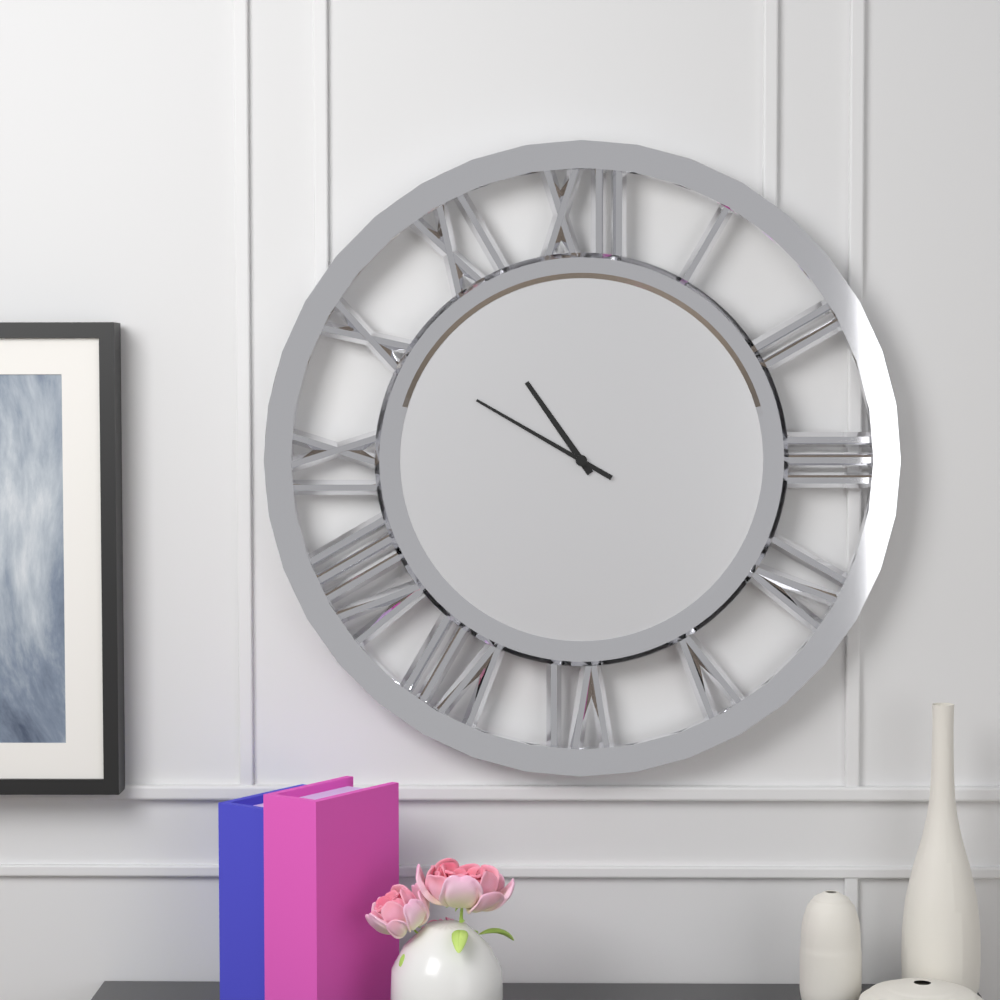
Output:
10 h 50 min
